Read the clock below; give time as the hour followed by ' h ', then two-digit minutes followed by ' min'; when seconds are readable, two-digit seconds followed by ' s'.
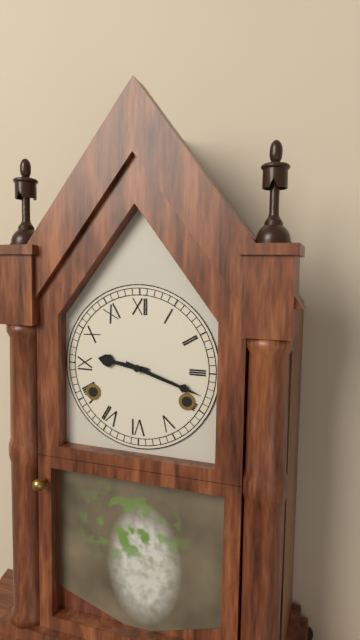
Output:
9 h 18 min
